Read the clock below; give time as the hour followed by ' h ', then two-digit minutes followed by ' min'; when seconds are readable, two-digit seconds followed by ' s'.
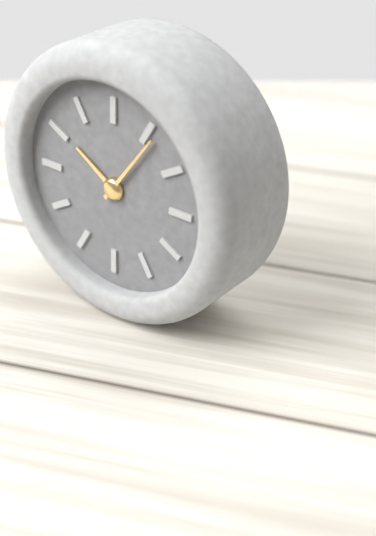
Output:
10 h 06 min
